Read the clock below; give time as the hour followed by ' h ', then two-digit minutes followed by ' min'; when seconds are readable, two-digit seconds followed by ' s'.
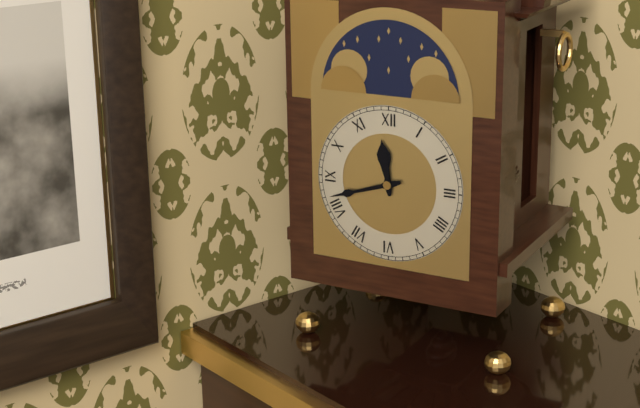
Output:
11 h 42 min
